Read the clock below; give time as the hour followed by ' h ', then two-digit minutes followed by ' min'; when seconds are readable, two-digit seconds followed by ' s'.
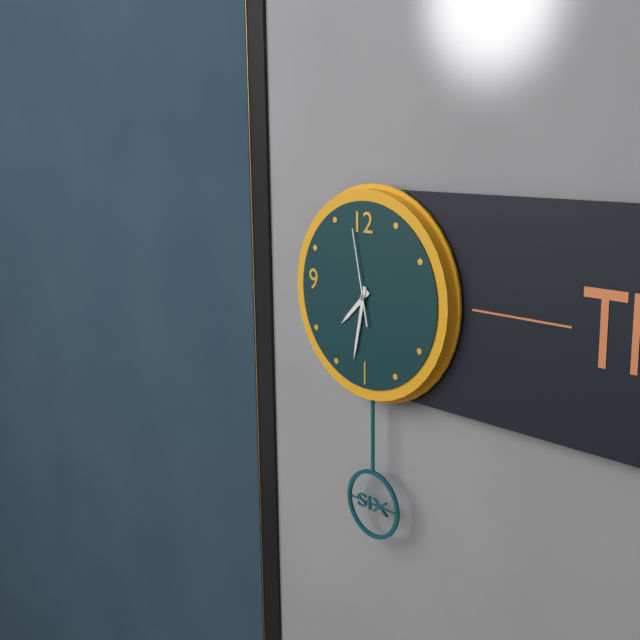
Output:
7 h 32 min 58 s
